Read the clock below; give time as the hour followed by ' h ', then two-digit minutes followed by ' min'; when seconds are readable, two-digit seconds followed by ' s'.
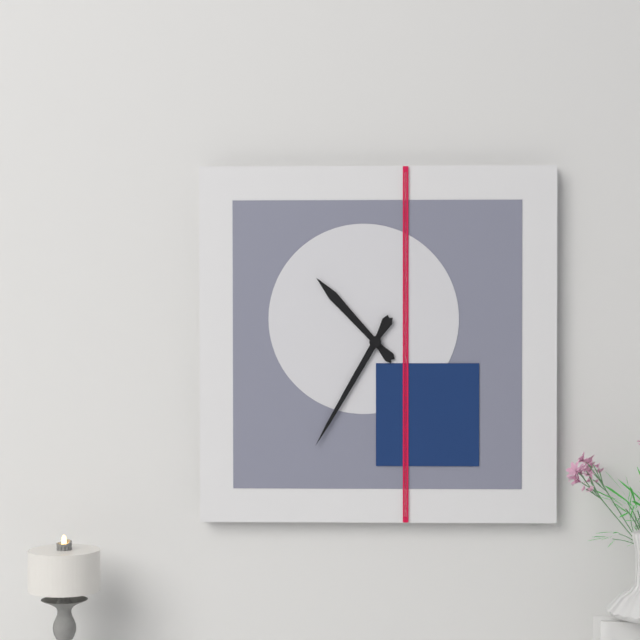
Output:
10 h 35 min
